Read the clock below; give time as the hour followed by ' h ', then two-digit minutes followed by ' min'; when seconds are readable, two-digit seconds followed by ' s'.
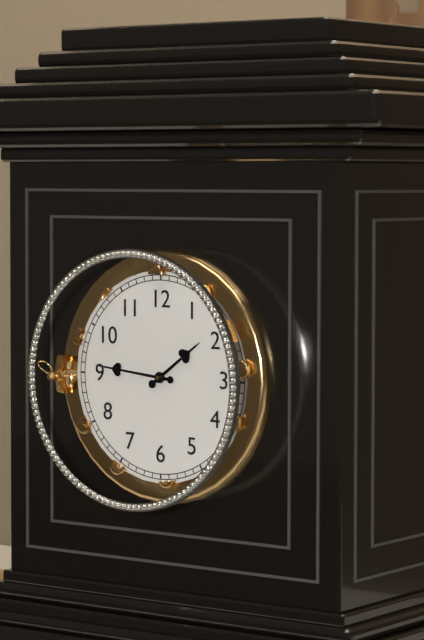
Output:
1 h 46 min
